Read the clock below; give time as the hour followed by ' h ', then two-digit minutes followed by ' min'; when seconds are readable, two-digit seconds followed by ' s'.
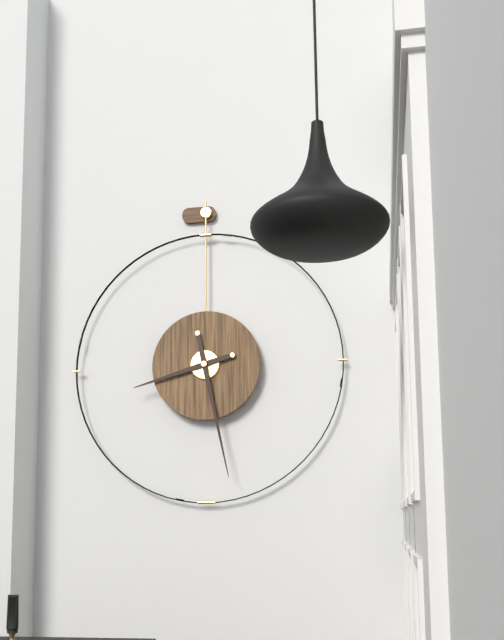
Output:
8 h 28 min
